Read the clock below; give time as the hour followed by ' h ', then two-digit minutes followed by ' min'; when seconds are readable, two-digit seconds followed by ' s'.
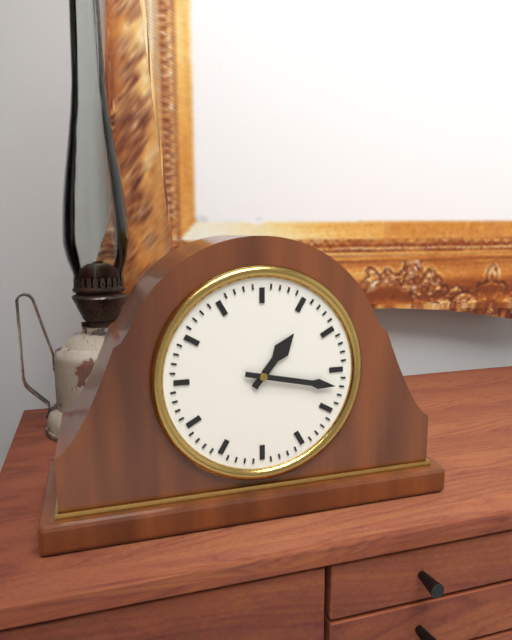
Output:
1 h 17 min
